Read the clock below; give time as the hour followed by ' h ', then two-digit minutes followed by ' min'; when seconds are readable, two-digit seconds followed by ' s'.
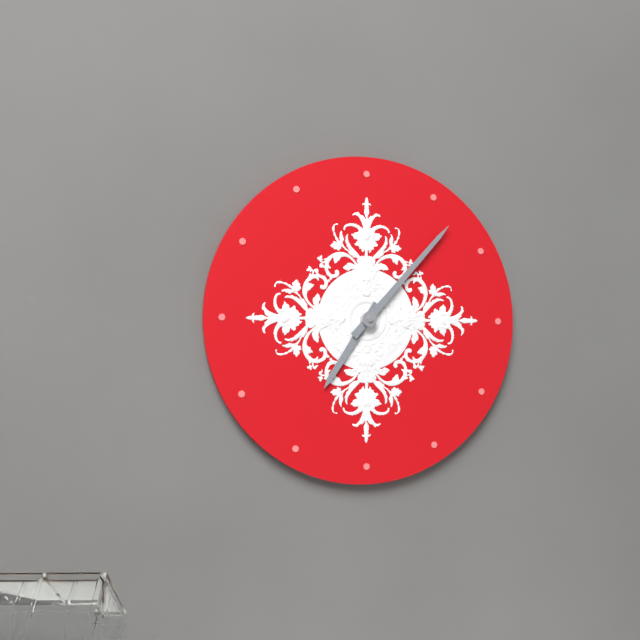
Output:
7 h 07 min
